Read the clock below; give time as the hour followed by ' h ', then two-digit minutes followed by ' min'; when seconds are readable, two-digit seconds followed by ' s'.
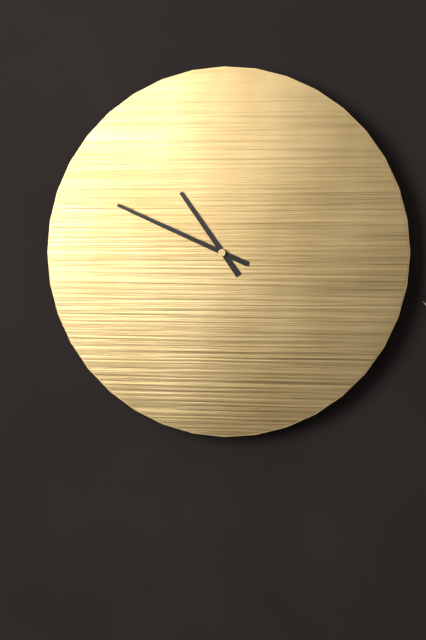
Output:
10 h 49 min
